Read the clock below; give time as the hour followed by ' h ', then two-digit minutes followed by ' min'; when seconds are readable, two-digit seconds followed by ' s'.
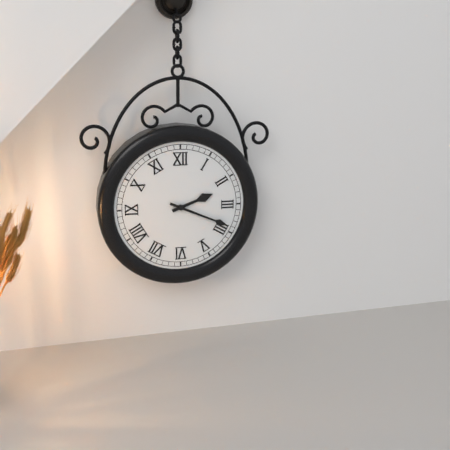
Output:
2 h 19 min
